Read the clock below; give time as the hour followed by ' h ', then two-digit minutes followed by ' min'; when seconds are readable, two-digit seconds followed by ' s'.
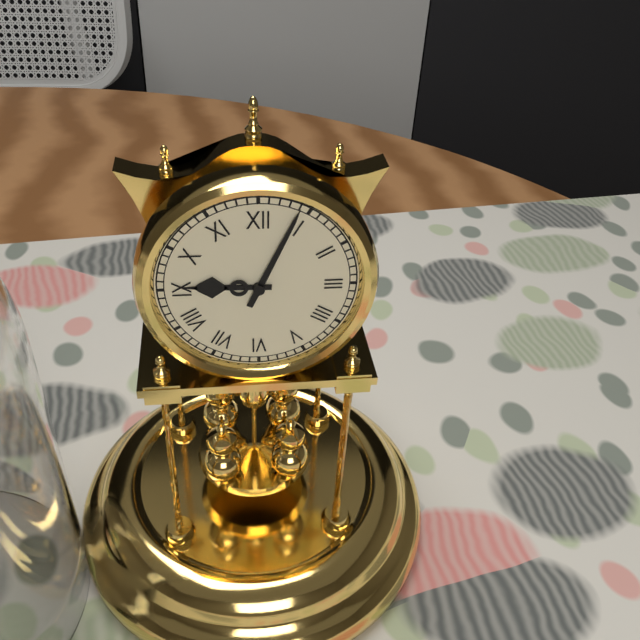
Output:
9 h 04 min
